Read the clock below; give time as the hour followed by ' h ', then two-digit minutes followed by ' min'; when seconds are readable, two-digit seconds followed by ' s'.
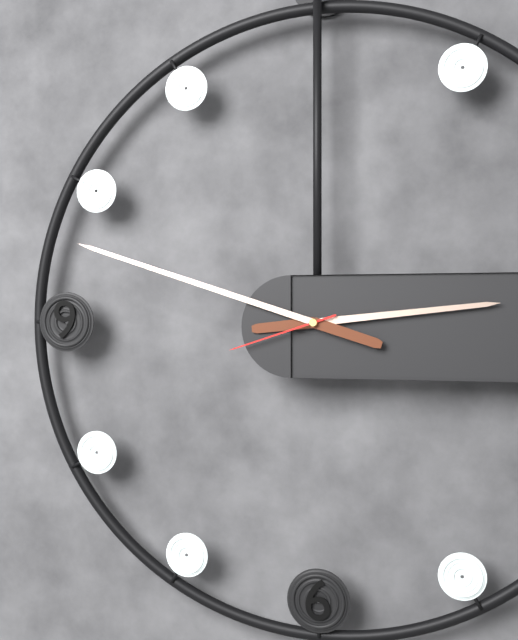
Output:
2 h 48 min 42 s
